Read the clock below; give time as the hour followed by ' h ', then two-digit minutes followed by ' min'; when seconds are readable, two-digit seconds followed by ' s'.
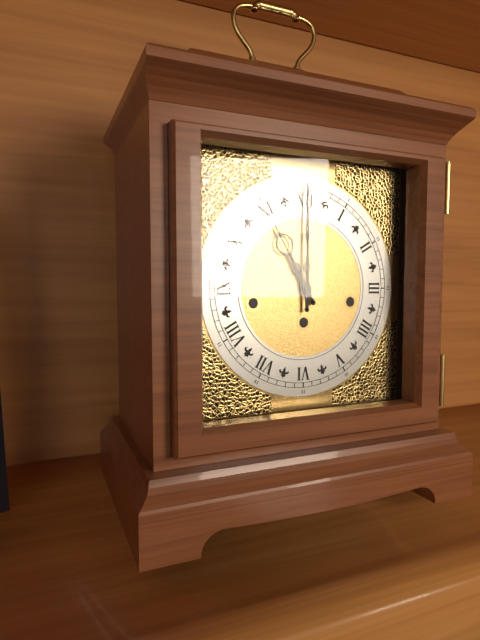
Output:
11 h 00 min
